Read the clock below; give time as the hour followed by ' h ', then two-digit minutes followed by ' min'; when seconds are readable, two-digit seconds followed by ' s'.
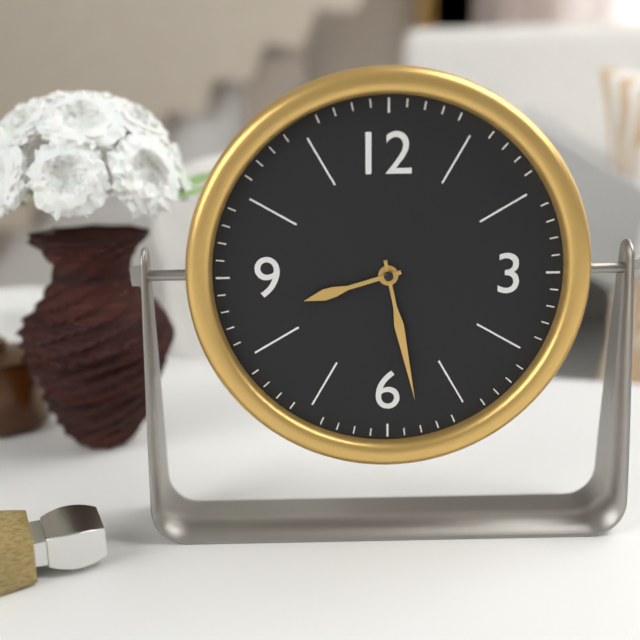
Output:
8 h 28 min
